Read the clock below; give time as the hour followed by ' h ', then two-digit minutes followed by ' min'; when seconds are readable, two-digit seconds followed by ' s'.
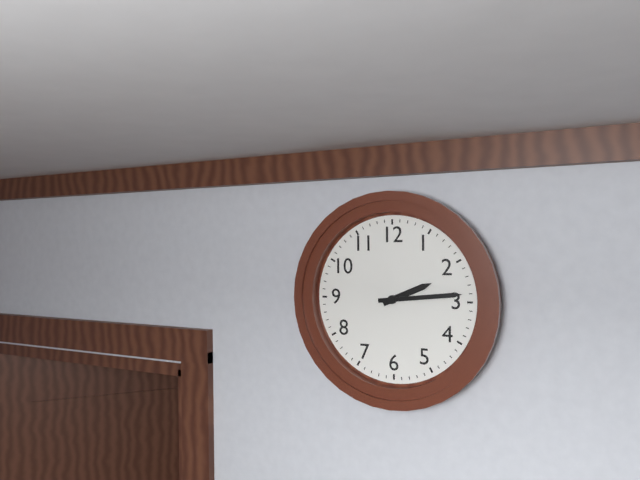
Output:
2 h 14 min
